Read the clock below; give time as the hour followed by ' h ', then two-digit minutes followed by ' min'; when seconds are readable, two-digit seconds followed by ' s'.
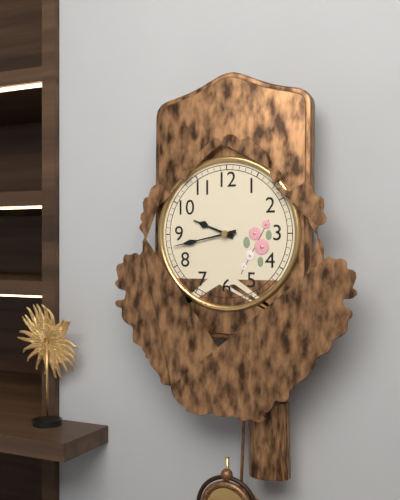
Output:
9 h 43 min
